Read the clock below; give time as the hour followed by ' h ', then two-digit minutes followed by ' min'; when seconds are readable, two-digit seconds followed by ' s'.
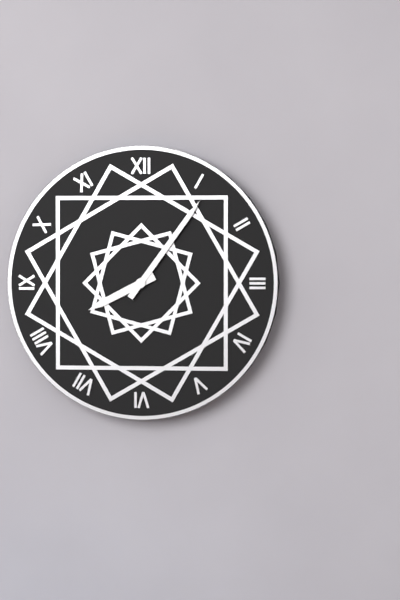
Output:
8 h 06 min
